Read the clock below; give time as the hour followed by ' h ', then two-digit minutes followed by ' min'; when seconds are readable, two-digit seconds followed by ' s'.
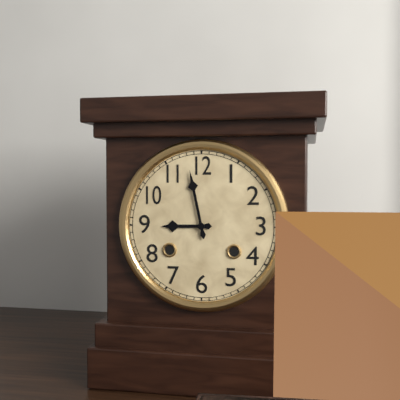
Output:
8 h 58 min
